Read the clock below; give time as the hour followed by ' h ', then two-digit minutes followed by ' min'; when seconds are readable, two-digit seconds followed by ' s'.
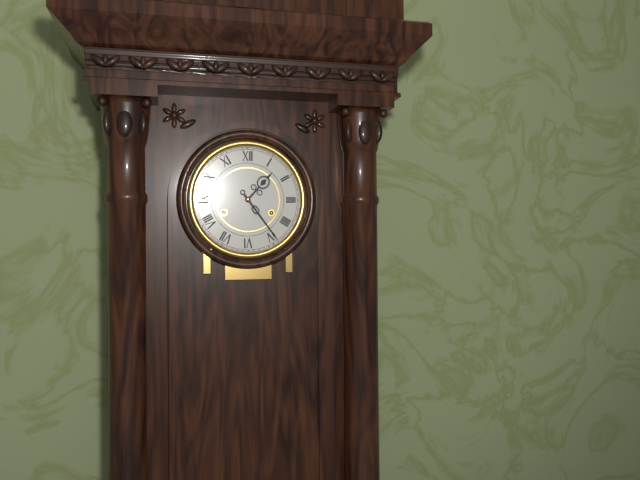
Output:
1 h 24 min
